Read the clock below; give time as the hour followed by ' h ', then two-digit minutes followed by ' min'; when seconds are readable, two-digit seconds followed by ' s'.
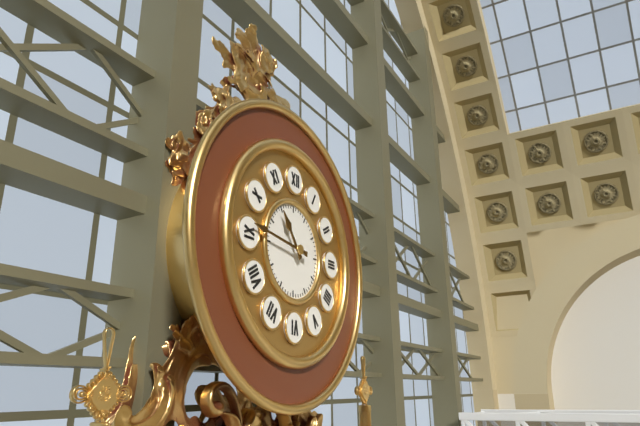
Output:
10 h 46 min
